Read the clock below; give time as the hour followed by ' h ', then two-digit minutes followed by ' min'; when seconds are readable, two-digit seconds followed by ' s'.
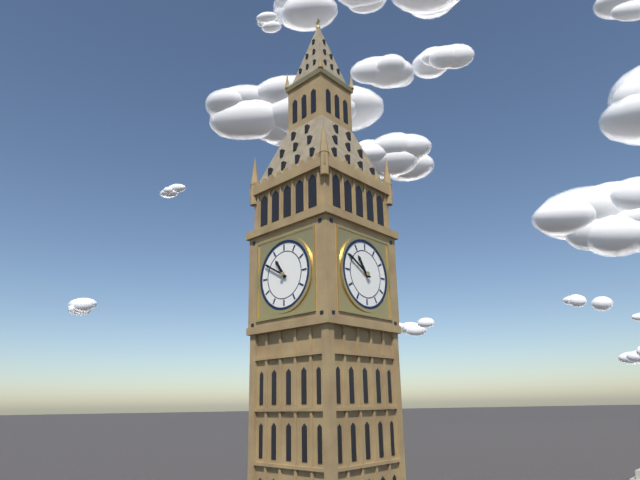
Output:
10 h 50 min
